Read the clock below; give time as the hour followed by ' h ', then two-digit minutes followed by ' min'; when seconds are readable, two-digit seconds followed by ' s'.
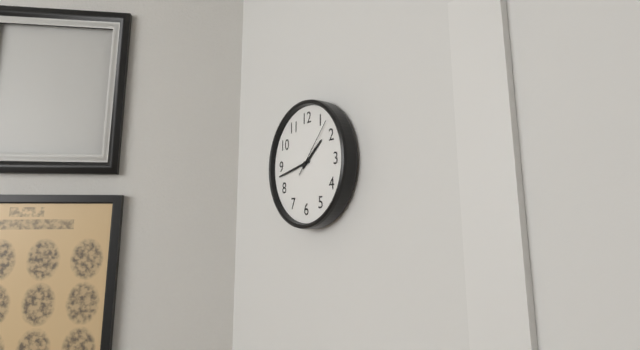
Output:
1 h 43 min 07 s
